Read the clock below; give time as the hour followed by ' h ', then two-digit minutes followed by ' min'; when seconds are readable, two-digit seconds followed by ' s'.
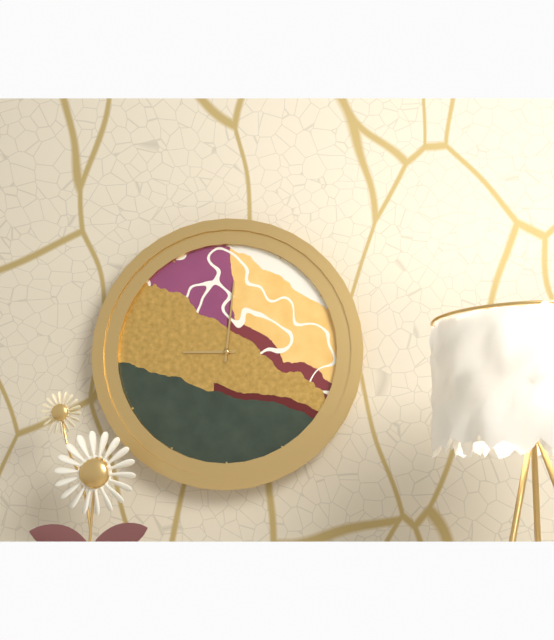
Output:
9 h 01 min
